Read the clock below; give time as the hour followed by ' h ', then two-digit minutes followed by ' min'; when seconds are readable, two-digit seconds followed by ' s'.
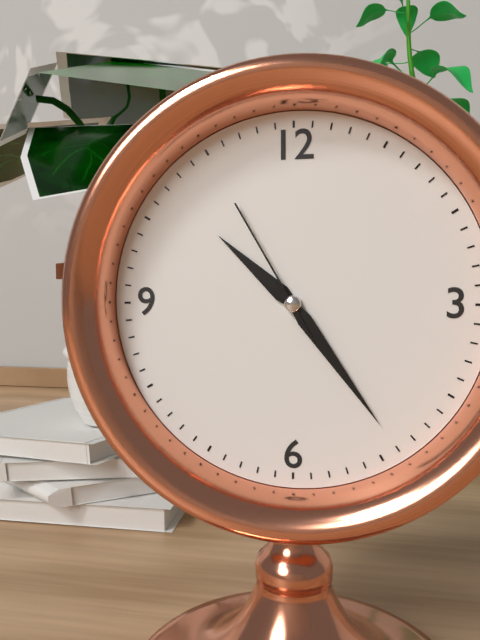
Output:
10 h 24 min 55 s
